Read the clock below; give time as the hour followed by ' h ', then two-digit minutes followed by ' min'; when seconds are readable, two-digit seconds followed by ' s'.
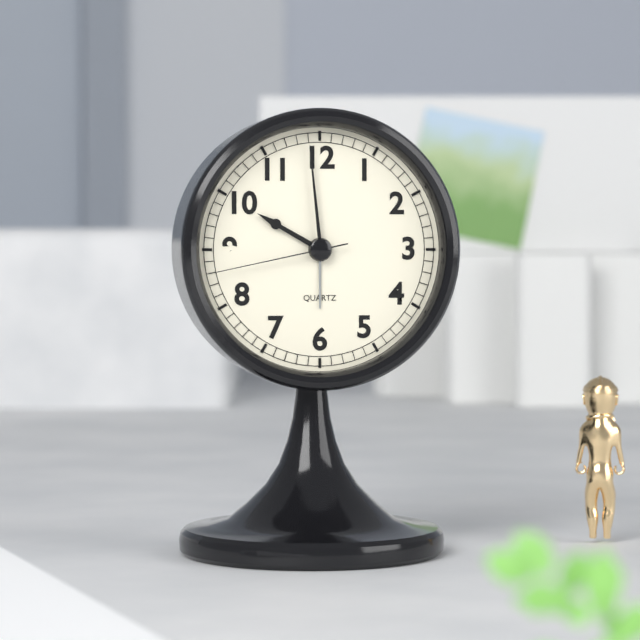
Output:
9 h 59 min 43 s
